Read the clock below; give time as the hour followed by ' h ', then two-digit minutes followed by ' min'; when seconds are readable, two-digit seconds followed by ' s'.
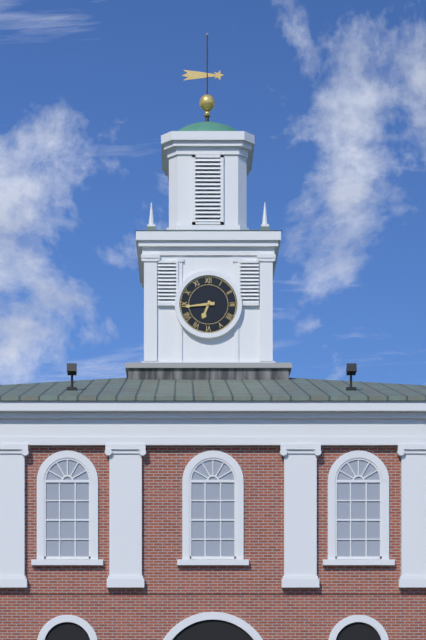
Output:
6 h 44 min
